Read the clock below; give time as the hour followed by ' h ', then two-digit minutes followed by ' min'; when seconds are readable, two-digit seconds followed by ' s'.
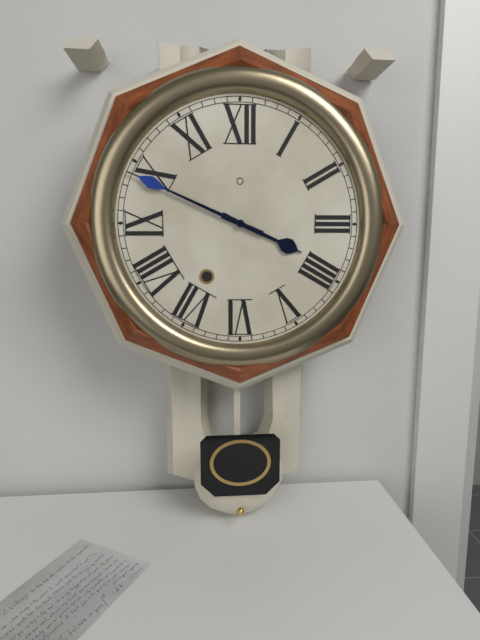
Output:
3 h 49 min
